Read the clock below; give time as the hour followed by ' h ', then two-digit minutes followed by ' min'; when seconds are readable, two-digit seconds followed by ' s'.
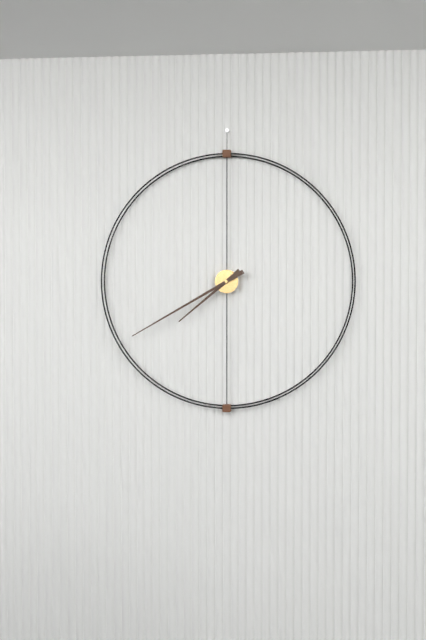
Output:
7 h 40 min
